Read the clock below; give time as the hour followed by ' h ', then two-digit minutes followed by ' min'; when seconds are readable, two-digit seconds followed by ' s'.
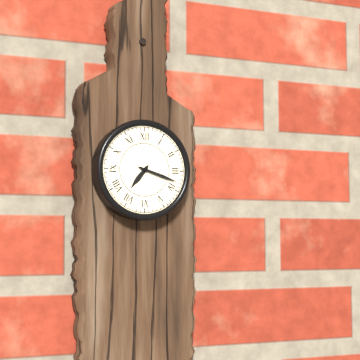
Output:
7 h 18 min
